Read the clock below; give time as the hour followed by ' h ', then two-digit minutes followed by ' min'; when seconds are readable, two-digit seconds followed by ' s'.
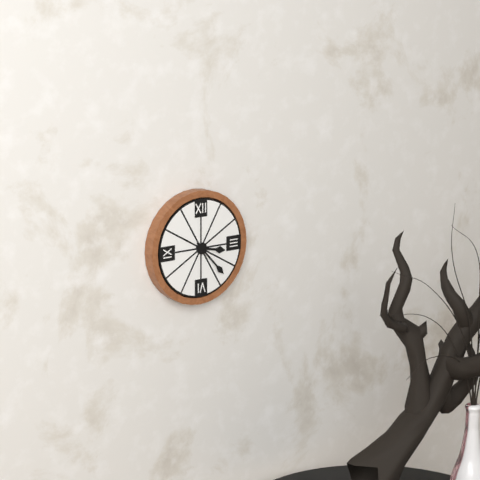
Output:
3 h 23 min
